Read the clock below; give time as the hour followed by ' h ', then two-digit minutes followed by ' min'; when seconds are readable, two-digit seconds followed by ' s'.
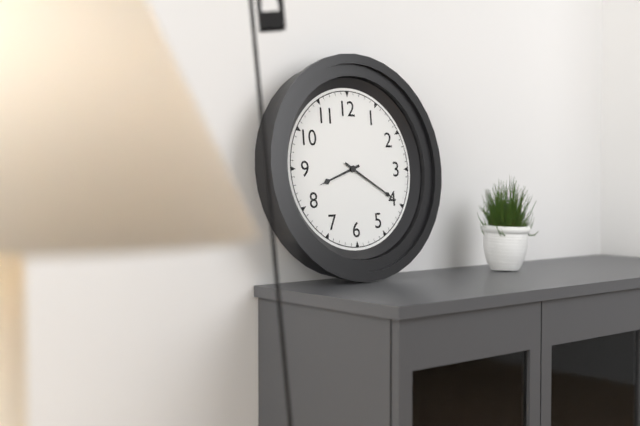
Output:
8 h 20 min
